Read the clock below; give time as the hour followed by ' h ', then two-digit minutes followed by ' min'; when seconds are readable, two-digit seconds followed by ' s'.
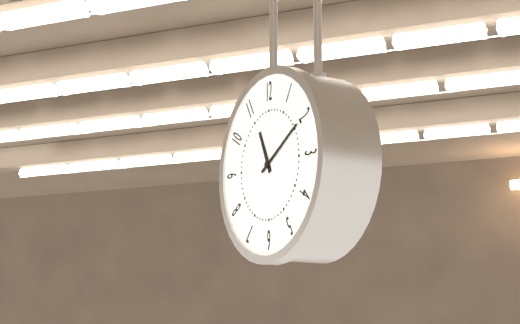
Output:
11 h 10 min
